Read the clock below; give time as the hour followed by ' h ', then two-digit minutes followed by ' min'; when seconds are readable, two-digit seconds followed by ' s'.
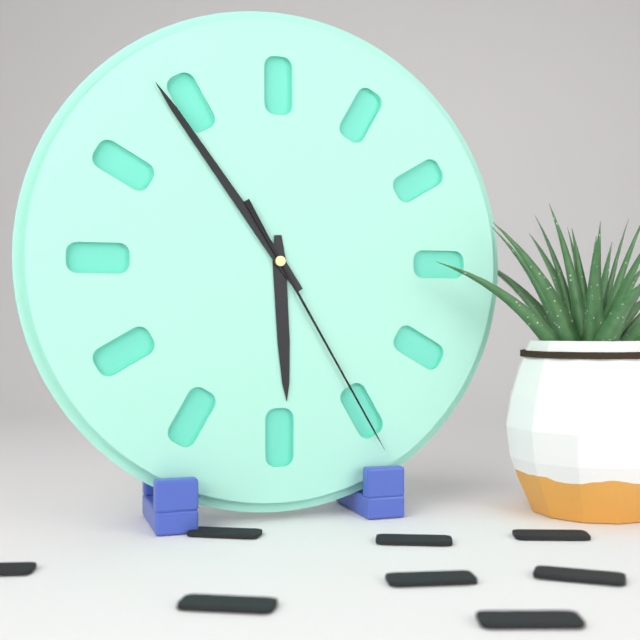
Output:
5 h 54 min 25 s
